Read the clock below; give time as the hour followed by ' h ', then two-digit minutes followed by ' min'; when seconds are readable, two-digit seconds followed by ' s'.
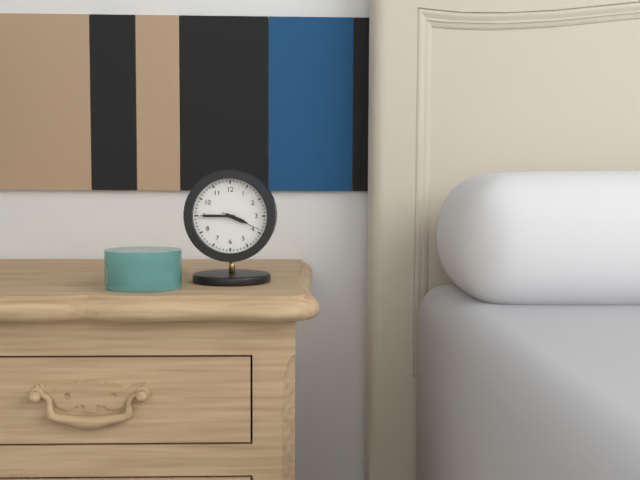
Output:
3 h 45 min
